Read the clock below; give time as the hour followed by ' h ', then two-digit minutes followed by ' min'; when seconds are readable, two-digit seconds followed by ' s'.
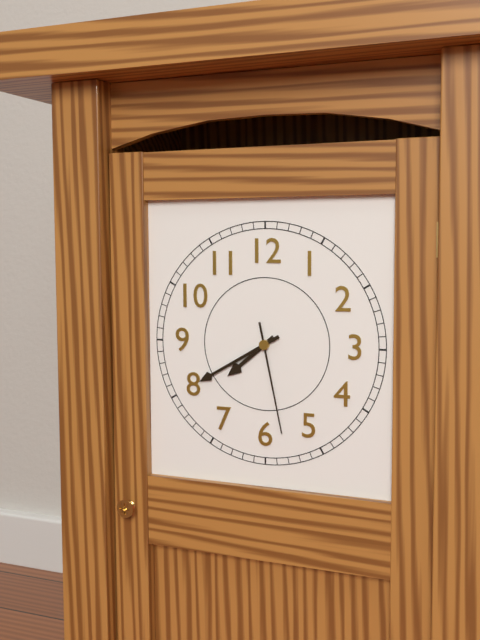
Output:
7 h 40 min 28 s
